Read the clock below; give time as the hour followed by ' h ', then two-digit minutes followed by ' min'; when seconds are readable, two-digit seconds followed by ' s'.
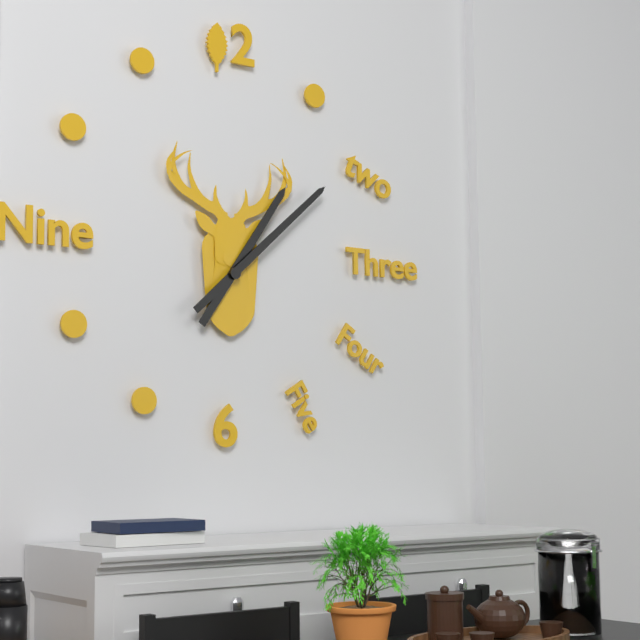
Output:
1 h 08 min
